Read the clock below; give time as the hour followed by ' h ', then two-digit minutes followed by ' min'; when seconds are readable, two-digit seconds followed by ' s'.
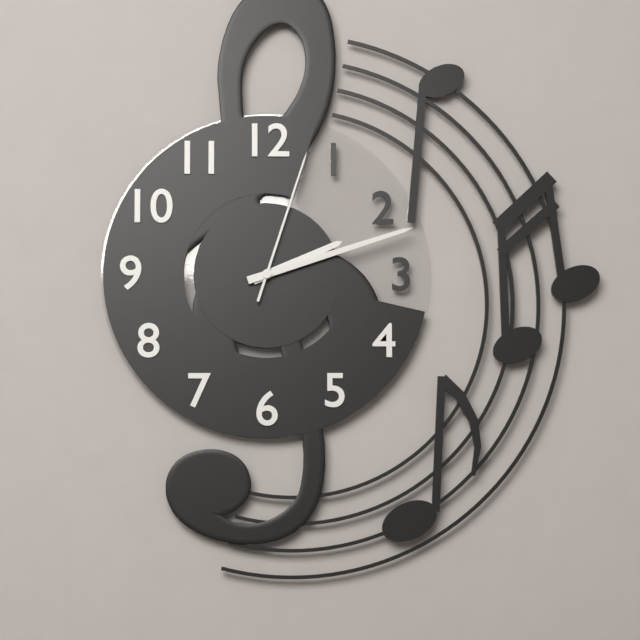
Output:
2 h 12 min 03 s
